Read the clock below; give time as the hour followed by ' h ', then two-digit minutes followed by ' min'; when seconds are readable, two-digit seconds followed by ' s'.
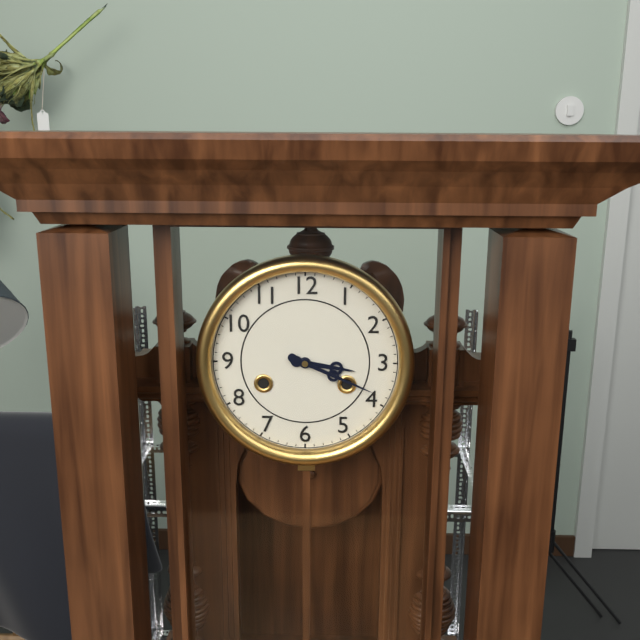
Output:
3 h 19 min
